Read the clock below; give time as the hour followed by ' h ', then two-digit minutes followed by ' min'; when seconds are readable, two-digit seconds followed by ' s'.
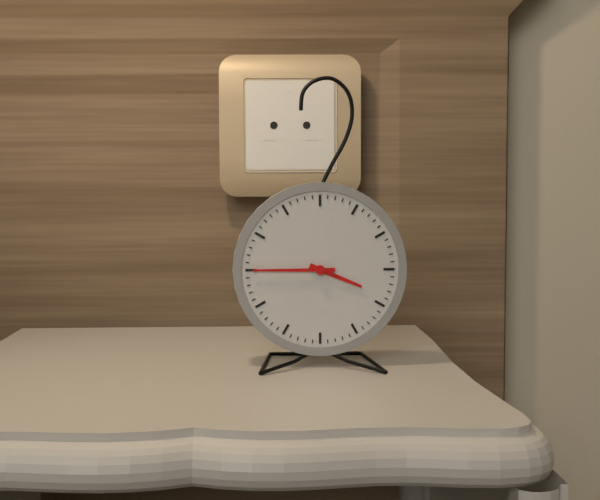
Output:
3 h 45 min
